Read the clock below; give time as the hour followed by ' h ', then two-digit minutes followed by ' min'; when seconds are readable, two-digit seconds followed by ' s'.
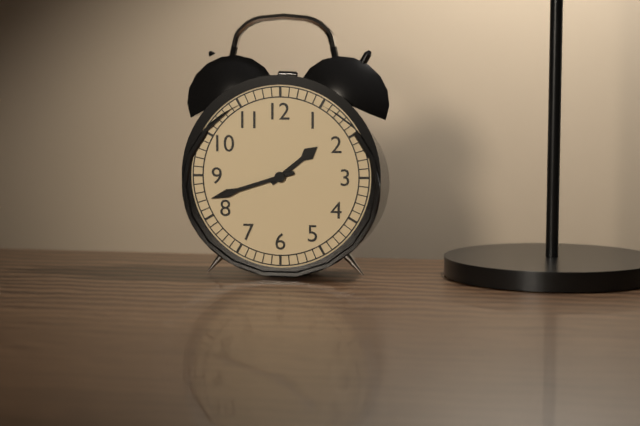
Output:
1 h 42 min
